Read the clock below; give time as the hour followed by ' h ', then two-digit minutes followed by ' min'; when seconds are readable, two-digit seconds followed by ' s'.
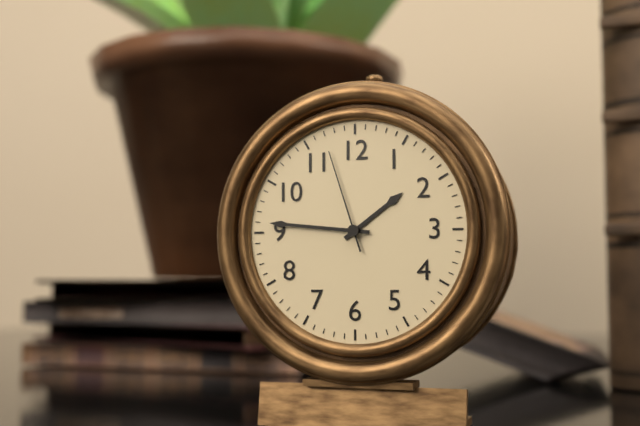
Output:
1 h 46 min 57 s
